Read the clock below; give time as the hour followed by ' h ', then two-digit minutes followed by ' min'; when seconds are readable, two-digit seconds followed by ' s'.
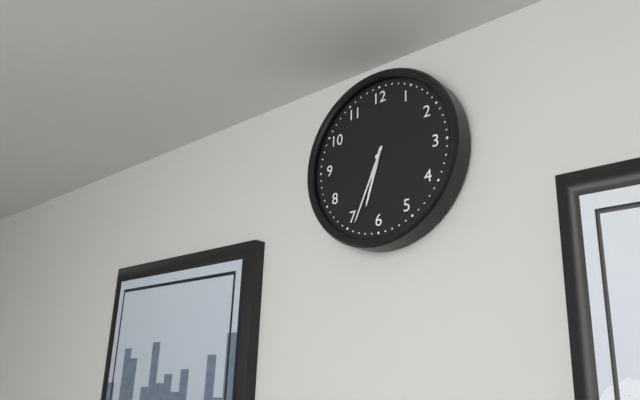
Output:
6 h 34 min
